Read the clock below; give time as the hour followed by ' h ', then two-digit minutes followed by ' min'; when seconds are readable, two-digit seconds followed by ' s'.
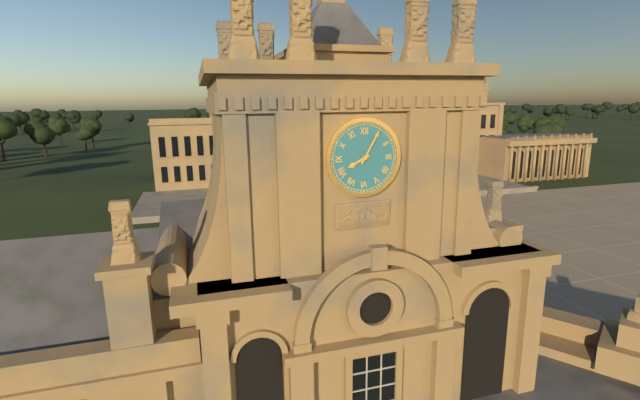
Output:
8 h 05 min
